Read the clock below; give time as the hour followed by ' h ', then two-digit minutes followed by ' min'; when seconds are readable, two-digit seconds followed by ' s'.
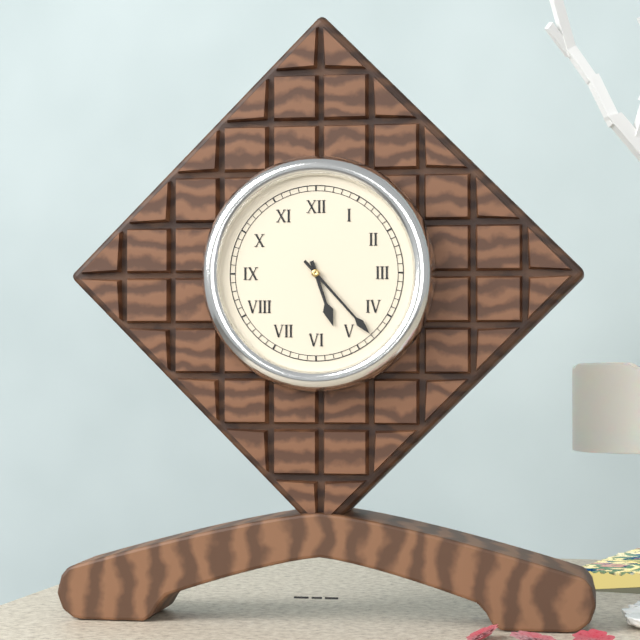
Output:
5 h 23 min
